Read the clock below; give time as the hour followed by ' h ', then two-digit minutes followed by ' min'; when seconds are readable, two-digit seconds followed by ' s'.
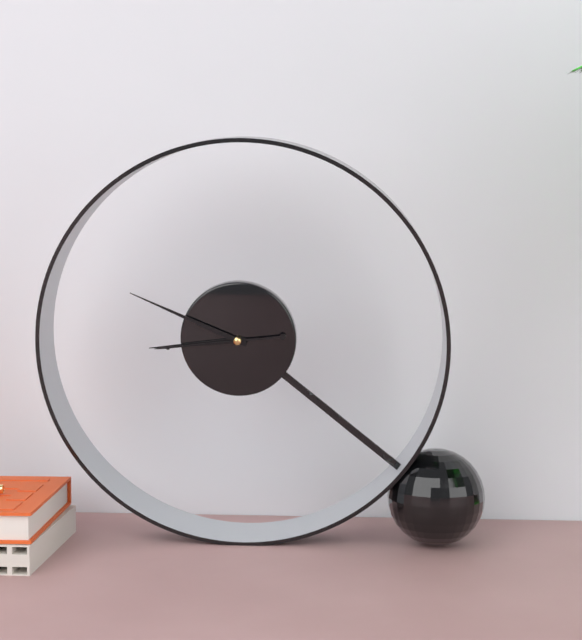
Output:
8 h 49 min 44 s
